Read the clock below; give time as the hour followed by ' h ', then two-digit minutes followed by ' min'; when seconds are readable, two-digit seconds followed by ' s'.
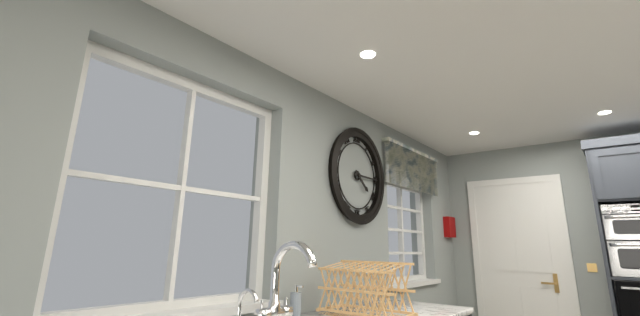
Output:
4 h 15 min
